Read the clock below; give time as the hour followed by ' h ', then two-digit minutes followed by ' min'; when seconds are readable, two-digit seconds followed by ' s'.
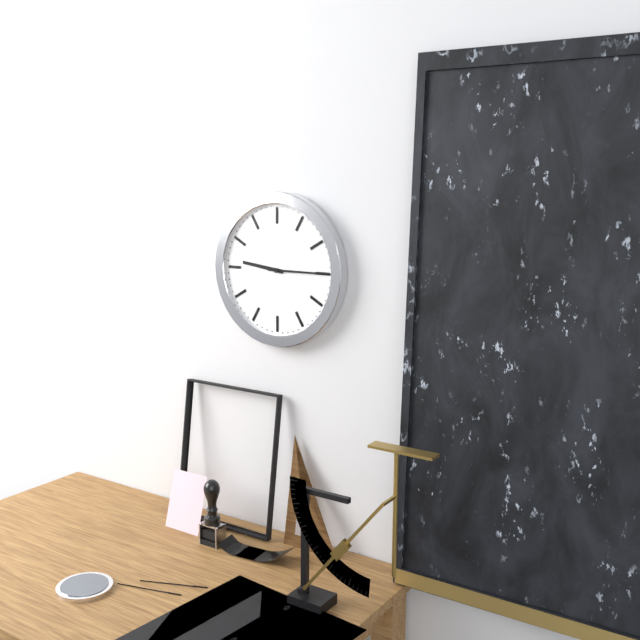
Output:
9 h 15 min
